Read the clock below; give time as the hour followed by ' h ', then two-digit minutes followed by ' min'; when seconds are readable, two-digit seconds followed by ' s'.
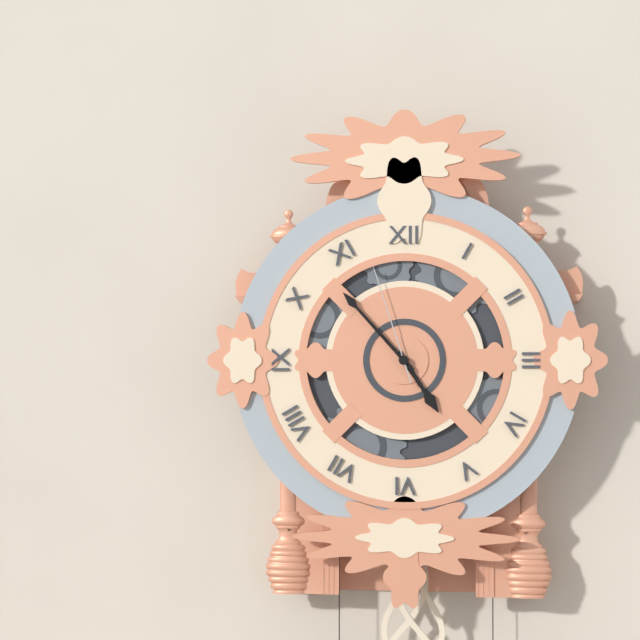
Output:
4 h 53 min 57 s
